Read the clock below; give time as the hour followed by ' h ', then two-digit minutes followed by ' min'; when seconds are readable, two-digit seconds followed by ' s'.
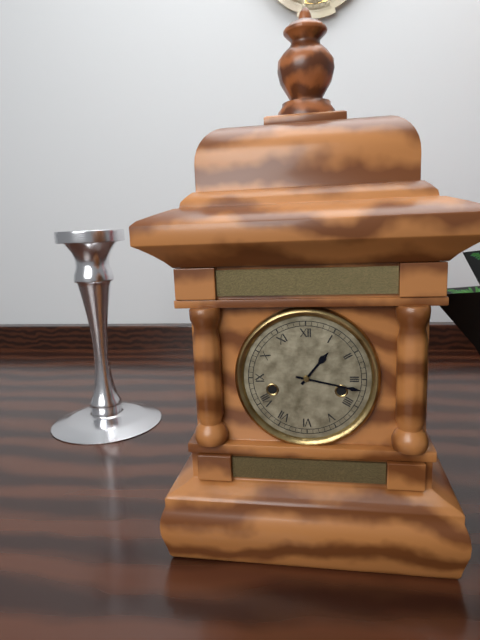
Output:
1 h 17 min
